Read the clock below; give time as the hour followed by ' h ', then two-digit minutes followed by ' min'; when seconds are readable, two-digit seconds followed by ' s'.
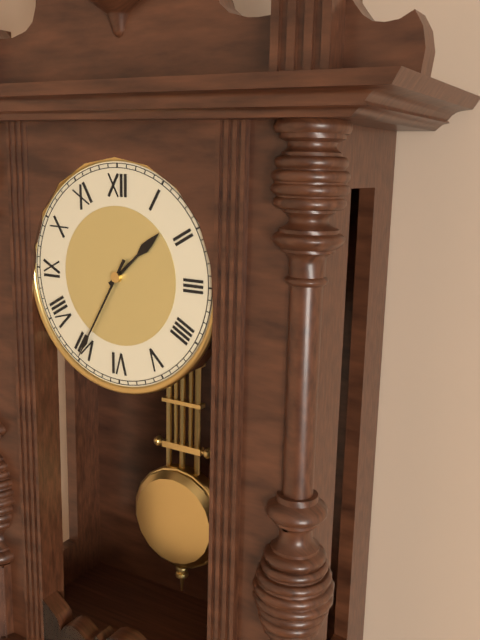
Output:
1 h 35 min
